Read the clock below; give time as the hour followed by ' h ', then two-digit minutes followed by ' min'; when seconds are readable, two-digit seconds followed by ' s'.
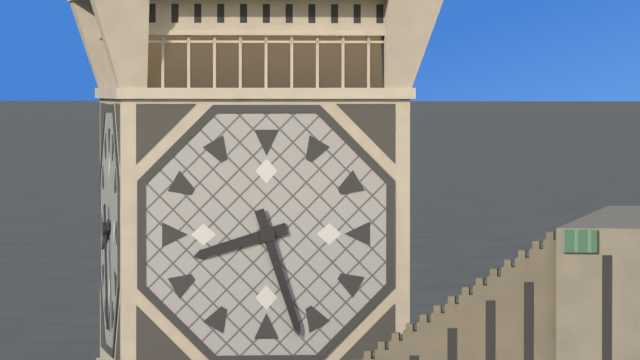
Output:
8 h 27 min
